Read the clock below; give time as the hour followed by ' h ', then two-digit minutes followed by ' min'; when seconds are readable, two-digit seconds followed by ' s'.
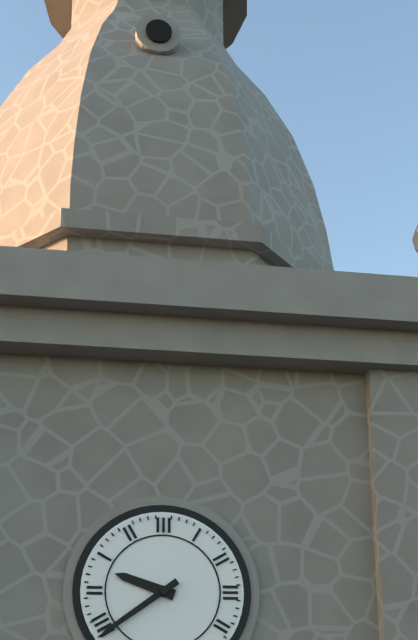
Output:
9 h 39 min
